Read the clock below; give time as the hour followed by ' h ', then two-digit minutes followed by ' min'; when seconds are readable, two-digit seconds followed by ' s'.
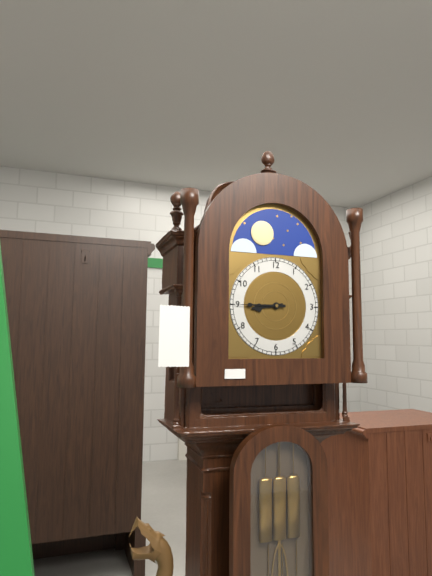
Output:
8 h 45 min
